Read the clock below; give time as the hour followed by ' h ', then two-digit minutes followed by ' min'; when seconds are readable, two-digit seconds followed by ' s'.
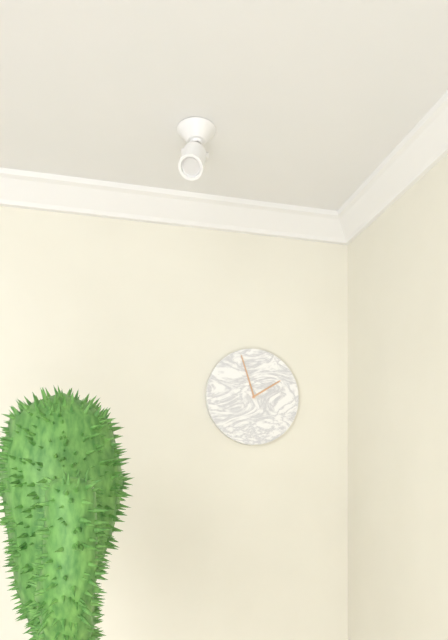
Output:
1 h 57 min
